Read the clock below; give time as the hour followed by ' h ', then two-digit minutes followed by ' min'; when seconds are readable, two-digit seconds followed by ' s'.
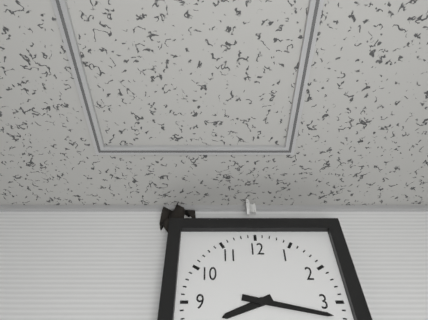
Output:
8 h 17 min
